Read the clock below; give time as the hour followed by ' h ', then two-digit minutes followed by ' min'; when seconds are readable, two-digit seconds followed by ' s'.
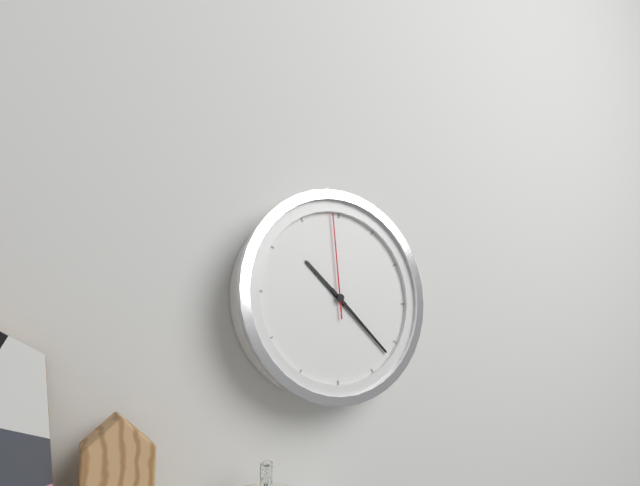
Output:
10 h 22 min 59 s
